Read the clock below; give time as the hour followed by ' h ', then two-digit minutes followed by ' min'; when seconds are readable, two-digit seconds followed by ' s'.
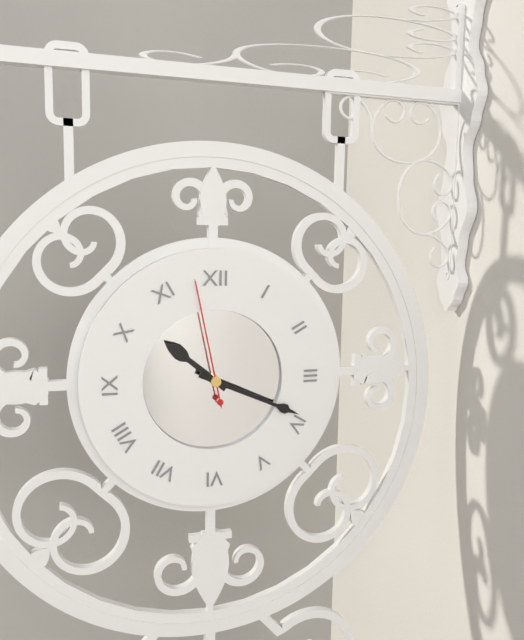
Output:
10 h 19 min 58 s
